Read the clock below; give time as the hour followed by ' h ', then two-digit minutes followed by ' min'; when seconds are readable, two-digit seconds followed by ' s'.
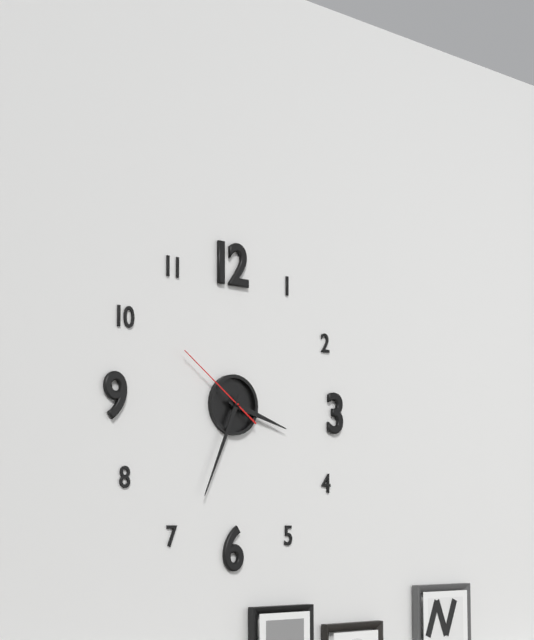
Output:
3 h 34 min 51 s
